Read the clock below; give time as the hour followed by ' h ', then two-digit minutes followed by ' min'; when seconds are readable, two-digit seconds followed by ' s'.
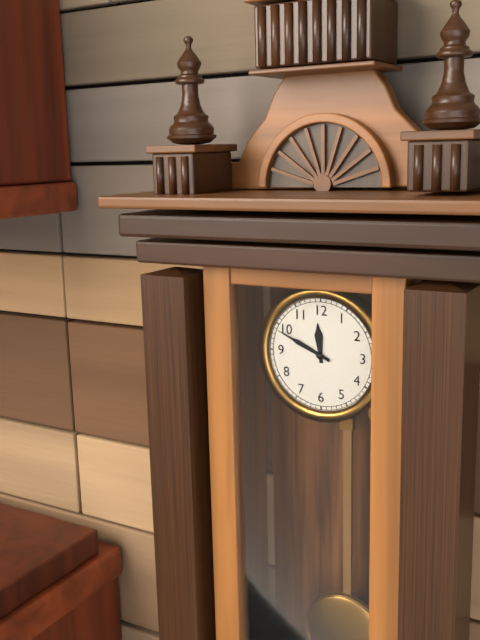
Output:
11 h 49 min
